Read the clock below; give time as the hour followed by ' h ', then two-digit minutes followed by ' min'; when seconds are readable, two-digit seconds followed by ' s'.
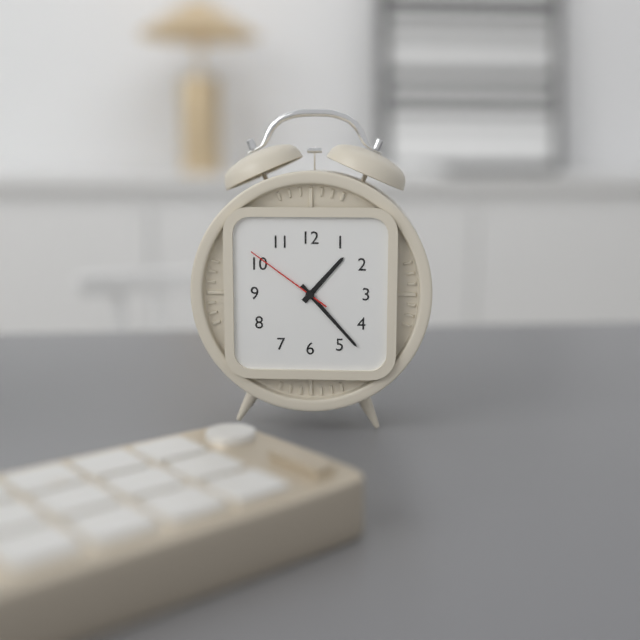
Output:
1 h 23 min 51 s
